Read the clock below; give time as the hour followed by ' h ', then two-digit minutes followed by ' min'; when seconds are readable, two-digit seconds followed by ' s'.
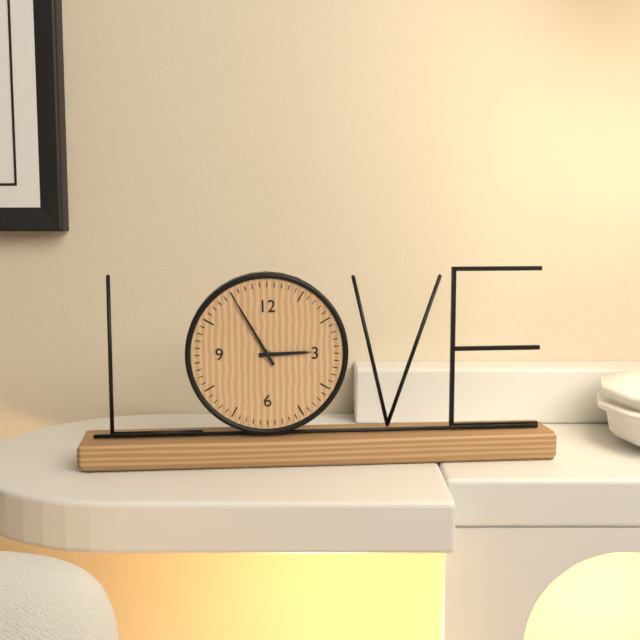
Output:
2 h 55 min
